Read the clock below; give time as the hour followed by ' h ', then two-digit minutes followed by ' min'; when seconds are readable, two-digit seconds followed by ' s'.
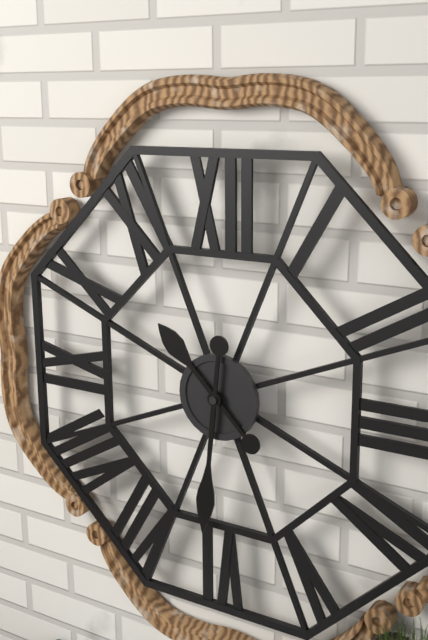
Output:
10 h 31 min
